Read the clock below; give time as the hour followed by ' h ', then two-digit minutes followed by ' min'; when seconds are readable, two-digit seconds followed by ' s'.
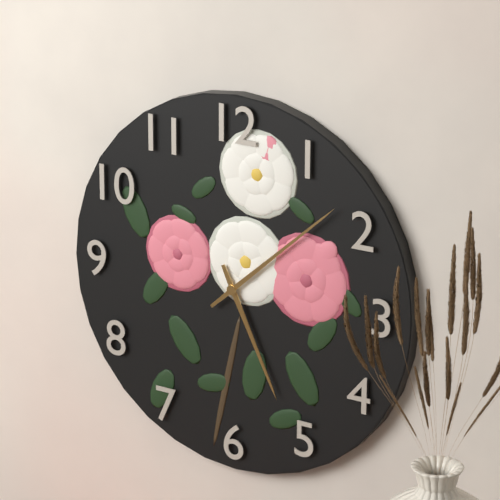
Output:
5 h 08 min
